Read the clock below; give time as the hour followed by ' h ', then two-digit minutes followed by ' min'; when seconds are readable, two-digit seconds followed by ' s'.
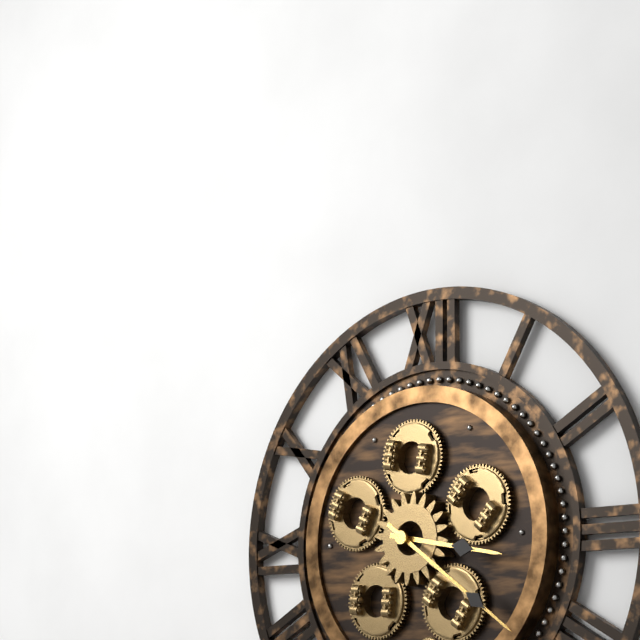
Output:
3 h 21 min
